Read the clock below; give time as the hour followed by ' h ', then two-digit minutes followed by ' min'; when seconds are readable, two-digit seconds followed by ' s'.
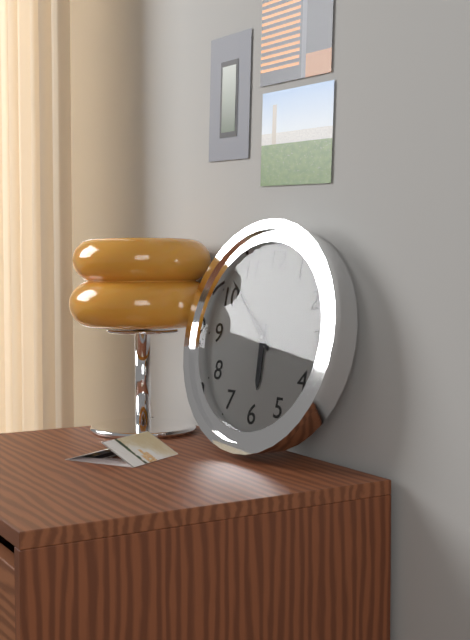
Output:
5 h 52 min
